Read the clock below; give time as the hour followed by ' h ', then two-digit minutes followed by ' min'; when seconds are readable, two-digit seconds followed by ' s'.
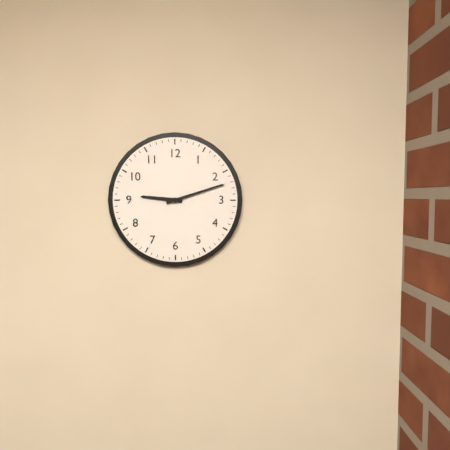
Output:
9 h 12 min
